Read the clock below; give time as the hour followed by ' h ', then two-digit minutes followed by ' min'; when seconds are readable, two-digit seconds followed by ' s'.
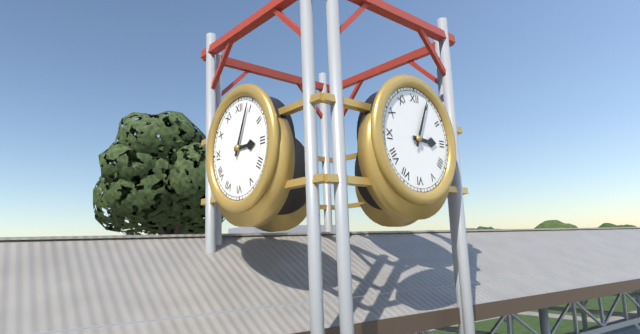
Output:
3 h 04 min
